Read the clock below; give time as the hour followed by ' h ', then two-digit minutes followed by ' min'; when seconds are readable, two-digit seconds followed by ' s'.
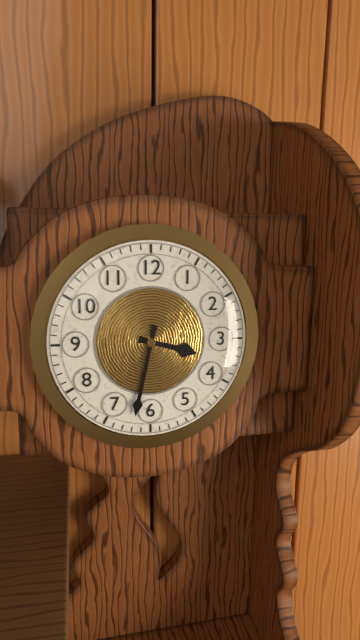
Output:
3 h 32 min
